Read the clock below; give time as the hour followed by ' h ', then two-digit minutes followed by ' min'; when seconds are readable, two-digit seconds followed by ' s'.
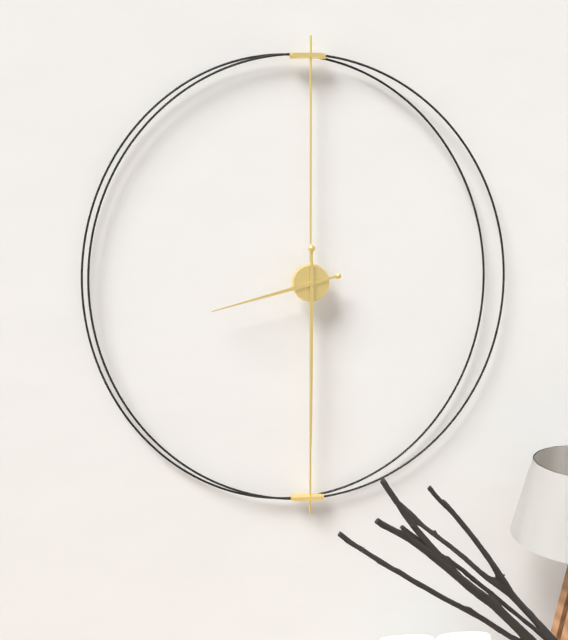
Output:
8 h 30 min
